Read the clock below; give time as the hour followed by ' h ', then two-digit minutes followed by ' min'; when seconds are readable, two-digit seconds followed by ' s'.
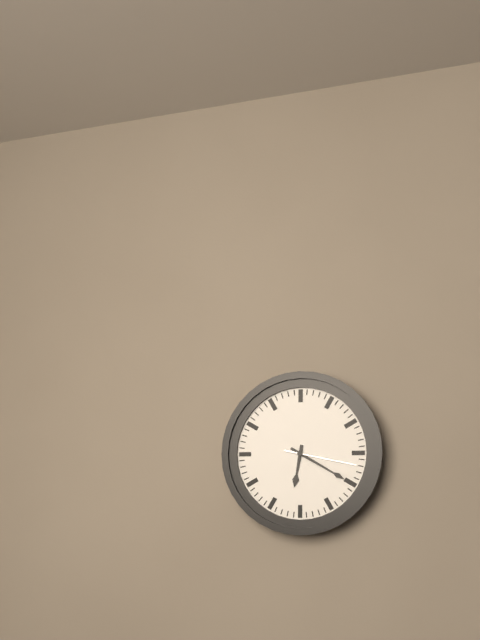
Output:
6 h 20 min 17 s
